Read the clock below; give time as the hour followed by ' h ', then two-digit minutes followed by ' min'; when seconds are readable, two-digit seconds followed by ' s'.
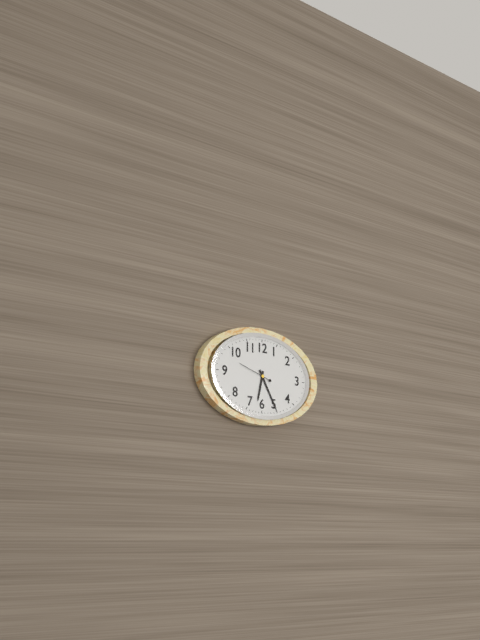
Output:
6 h 25 min
